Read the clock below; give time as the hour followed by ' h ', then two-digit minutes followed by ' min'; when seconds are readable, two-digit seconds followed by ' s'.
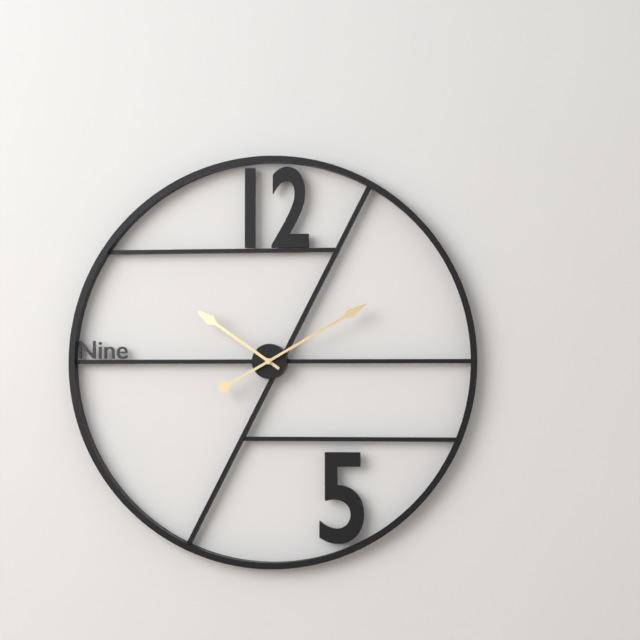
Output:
10 h 10 min
